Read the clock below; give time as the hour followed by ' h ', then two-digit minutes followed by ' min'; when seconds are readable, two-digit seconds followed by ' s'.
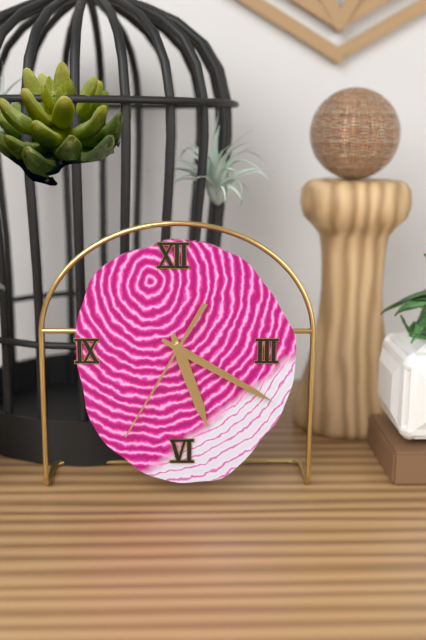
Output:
5 h 20 min 35 s
